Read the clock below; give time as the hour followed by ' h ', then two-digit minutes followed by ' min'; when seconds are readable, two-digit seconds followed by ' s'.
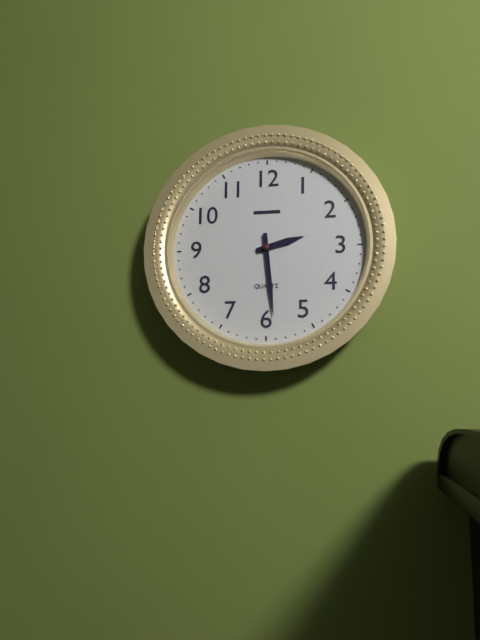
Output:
2 h 29 min
